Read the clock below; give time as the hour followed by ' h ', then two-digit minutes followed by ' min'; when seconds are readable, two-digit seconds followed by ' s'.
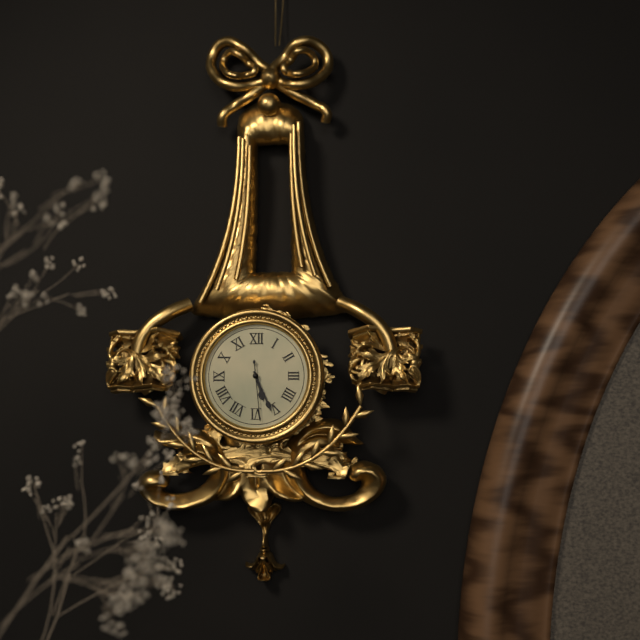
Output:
5 h 26 min 29 s
